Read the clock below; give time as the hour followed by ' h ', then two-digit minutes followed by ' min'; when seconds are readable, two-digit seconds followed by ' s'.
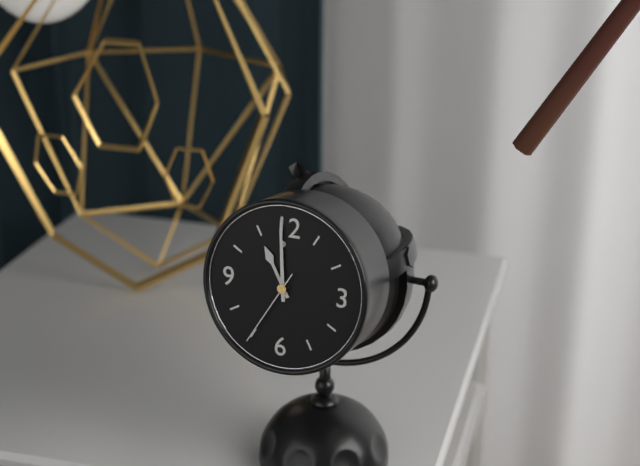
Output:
10 h 59 min 35 s
